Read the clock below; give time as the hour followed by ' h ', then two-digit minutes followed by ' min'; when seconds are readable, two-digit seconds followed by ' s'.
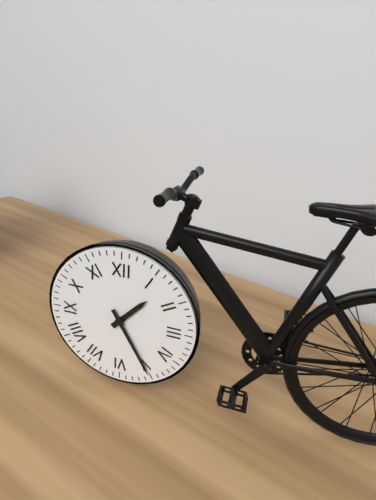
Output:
1 h 25 min
